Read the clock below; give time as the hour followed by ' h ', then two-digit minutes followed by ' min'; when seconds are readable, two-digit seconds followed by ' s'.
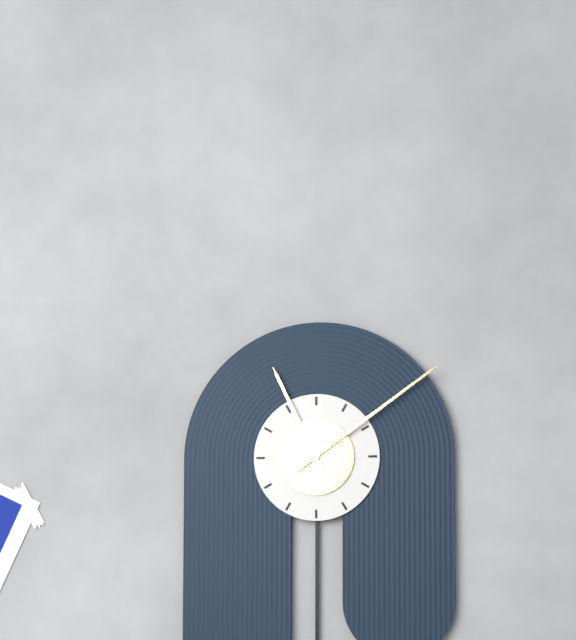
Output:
11 h 09 min
